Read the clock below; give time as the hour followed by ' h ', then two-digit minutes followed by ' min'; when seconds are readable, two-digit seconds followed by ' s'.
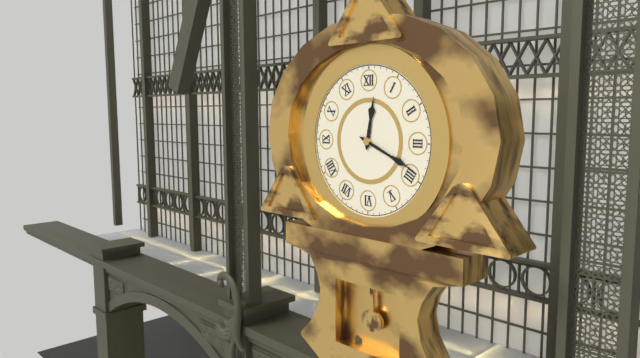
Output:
12 h 19 min
